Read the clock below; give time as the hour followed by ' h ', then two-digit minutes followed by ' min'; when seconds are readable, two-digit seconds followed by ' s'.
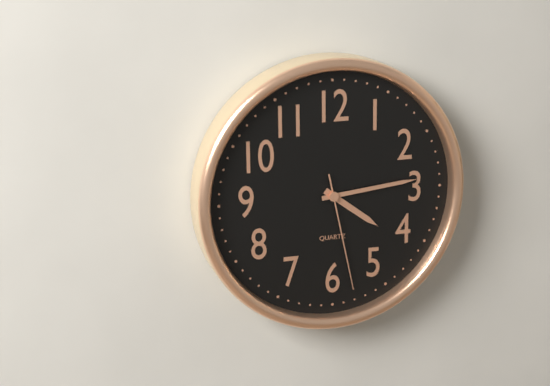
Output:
4 h 14 min 28 s
